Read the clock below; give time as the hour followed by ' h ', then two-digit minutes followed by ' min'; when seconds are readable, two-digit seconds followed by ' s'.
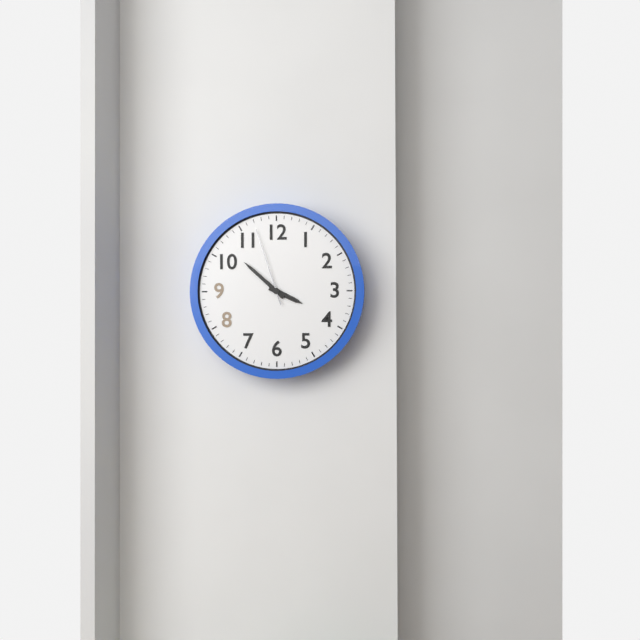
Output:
3 h 52 min 57 s
